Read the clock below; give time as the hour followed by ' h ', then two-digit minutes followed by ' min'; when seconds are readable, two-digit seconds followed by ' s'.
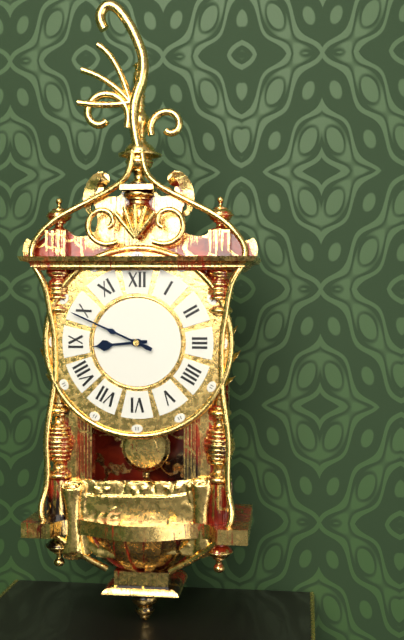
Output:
8 h 49 min
